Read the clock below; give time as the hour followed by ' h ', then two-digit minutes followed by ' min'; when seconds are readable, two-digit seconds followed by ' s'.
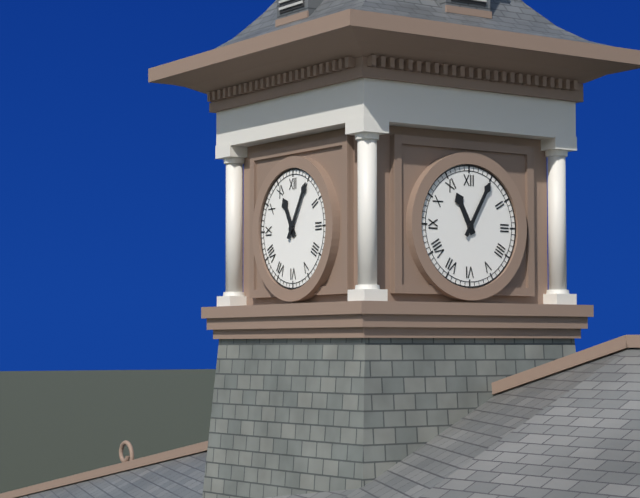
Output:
11 h 05 min
